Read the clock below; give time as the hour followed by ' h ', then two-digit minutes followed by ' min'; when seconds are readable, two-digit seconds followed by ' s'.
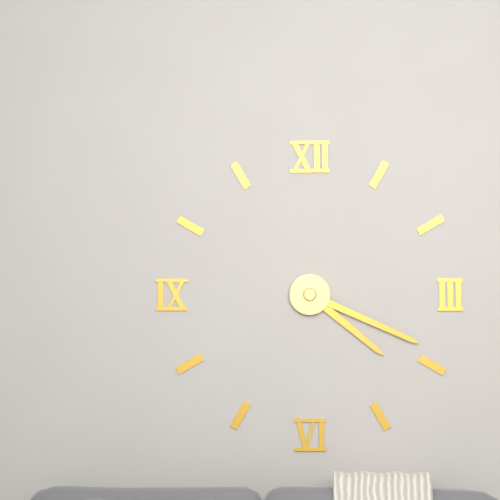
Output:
4 h 19 min
